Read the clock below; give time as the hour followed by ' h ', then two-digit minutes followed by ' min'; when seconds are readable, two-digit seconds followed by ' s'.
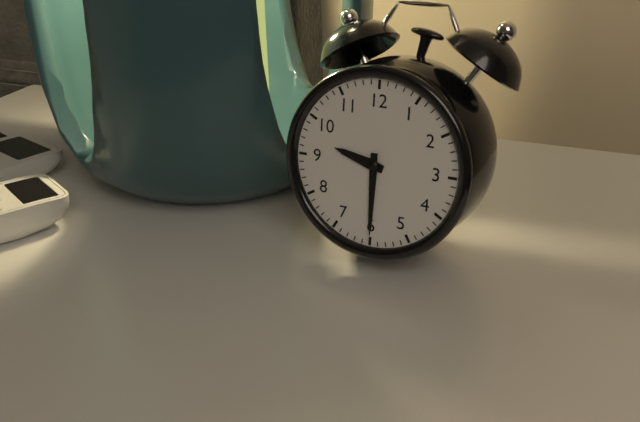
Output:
9 h 30 min
